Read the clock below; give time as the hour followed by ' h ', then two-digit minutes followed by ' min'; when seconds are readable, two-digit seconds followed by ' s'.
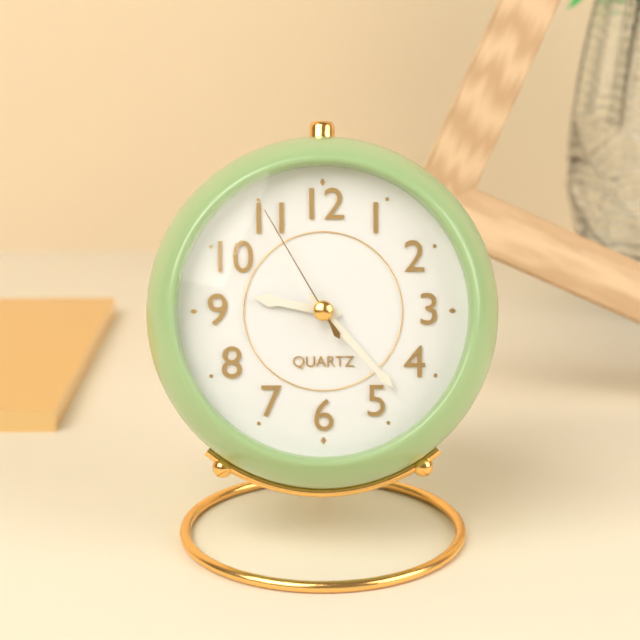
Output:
9 h 23 min 55 s
